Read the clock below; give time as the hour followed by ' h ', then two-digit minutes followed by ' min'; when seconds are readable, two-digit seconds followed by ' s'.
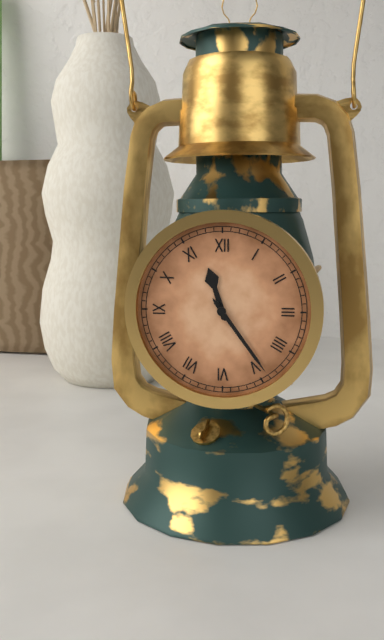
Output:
11 h 24 min
